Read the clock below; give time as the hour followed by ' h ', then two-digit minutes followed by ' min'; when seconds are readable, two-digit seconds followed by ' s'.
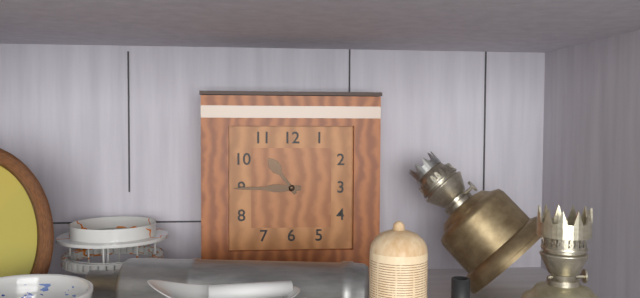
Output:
10 h 45 min
